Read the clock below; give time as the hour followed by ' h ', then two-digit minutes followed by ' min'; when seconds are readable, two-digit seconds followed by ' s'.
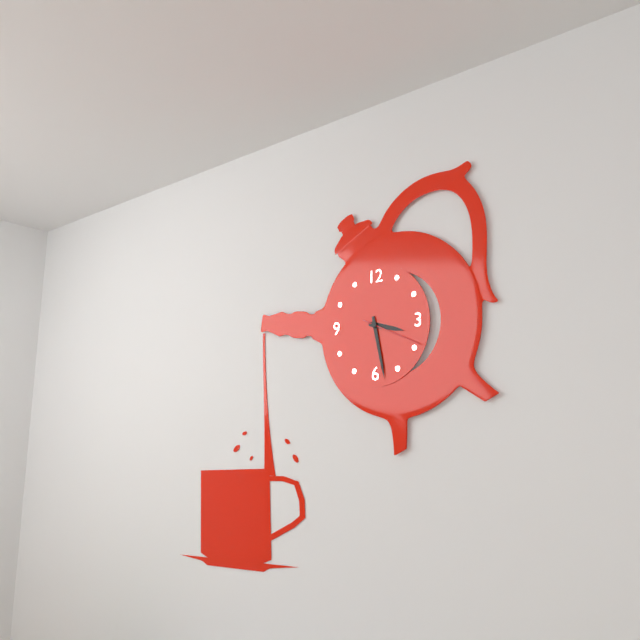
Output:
3 h 28 min 19 s
